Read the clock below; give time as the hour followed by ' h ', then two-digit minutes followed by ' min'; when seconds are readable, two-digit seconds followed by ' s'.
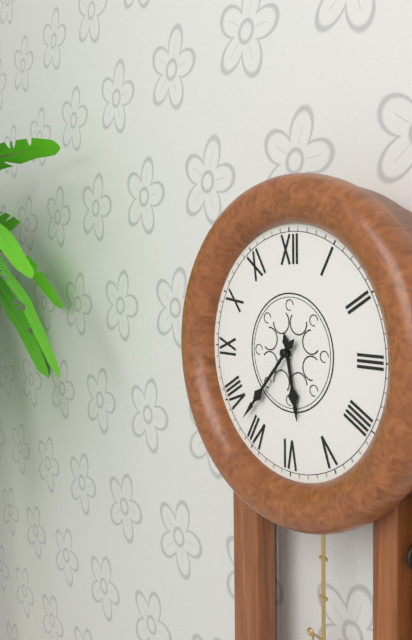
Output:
5 h 37 min
